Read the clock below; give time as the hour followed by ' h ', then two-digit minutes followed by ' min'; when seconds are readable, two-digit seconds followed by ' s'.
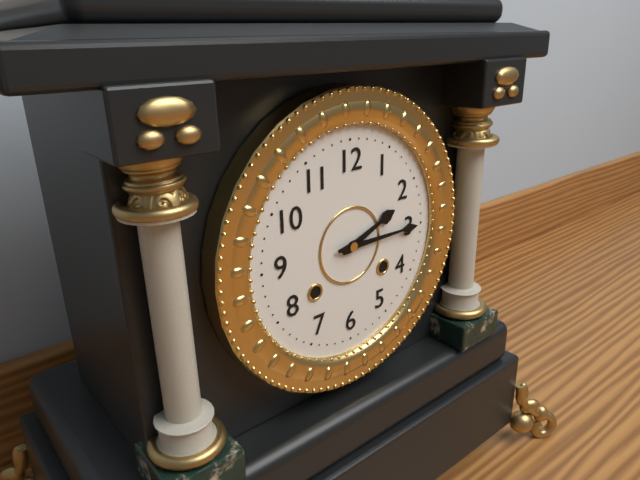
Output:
2 h 15 min
